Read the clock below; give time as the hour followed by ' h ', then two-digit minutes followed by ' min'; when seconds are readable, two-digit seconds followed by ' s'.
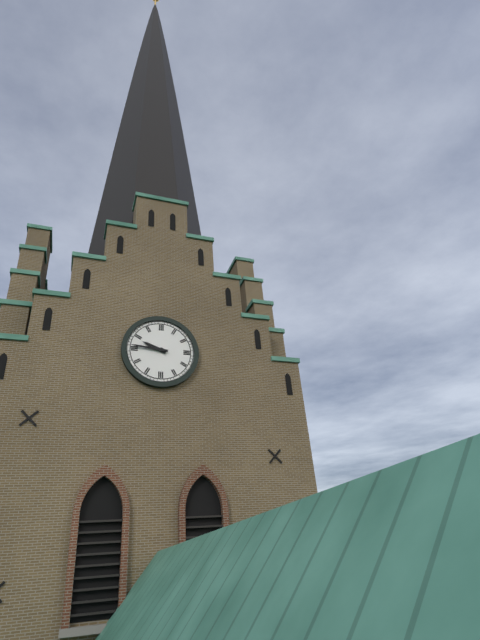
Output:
9 h 46 min
